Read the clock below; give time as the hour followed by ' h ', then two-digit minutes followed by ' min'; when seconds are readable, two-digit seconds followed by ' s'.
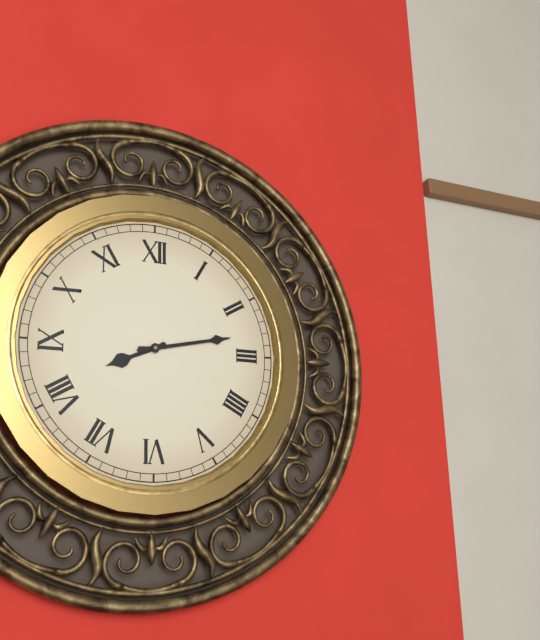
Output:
8 h 13 min
